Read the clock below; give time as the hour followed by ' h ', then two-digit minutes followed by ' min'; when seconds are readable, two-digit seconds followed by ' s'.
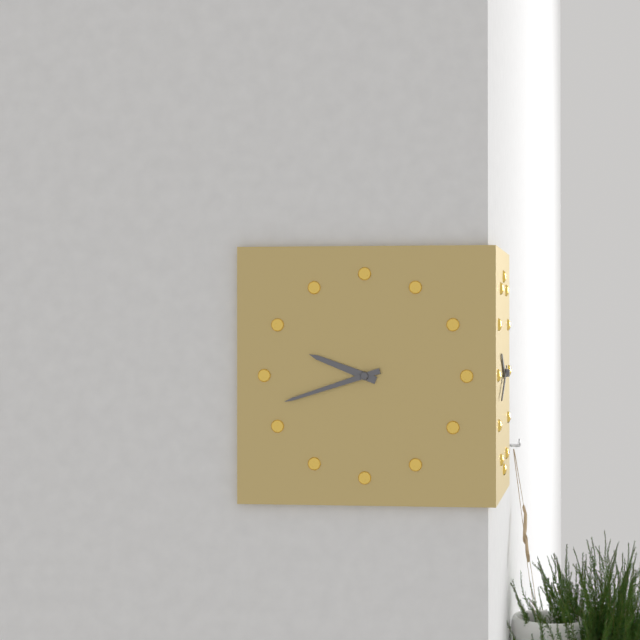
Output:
9 h 42 min
